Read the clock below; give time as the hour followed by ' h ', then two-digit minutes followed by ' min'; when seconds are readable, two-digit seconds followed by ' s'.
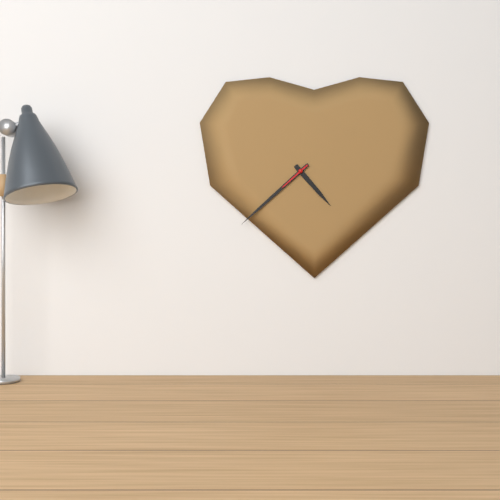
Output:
4 h 38 min
